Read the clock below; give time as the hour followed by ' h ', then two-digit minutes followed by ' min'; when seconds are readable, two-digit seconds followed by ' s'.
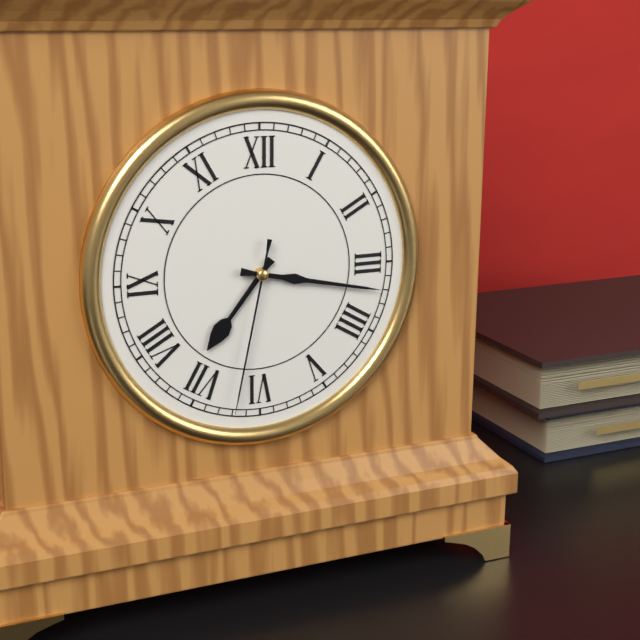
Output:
7 h 17 min 32 s
